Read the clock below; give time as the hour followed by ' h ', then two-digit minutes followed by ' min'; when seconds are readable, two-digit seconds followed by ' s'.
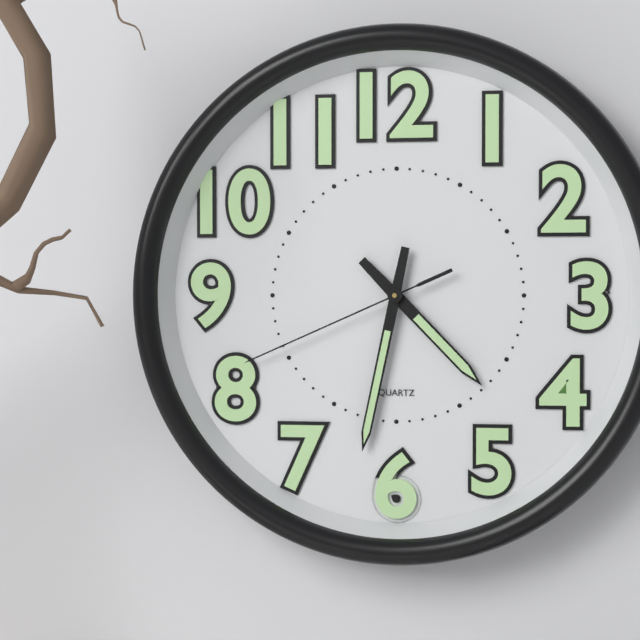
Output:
4 h 32 min 41 s
